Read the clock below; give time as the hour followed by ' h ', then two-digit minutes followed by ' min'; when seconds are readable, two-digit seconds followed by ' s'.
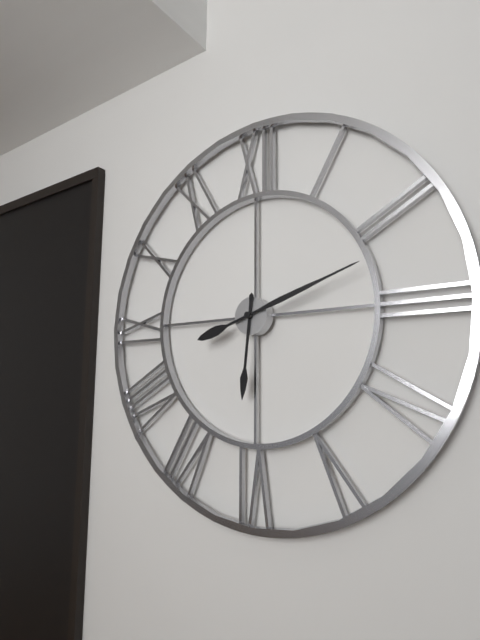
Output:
6 h 12 min
